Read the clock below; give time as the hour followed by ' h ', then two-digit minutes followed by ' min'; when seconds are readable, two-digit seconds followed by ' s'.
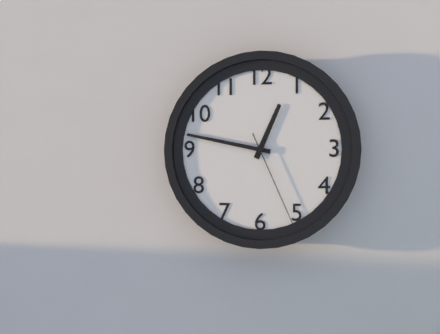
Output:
12 h 47 min 26 s
